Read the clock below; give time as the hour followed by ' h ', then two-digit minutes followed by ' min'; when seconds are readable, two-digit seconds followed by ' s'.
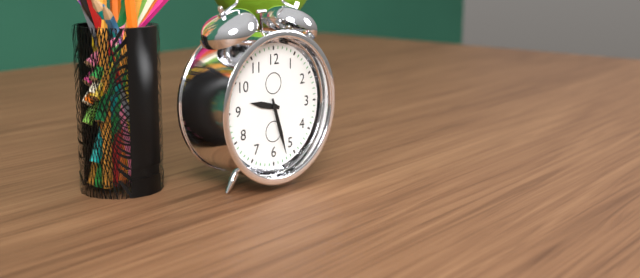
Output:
9 h 27 min
